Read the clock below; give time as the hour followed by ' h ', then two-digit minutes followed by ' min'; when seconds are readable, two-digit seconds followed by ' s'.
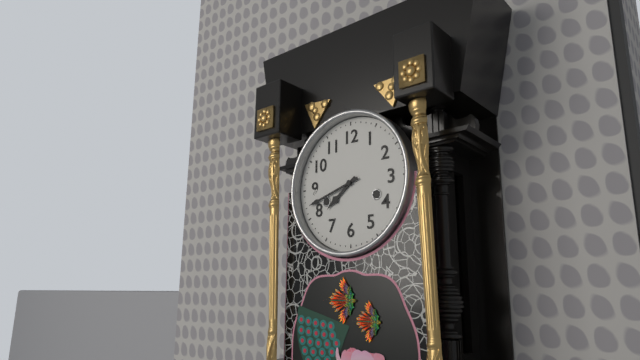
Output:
7 h 42 min
